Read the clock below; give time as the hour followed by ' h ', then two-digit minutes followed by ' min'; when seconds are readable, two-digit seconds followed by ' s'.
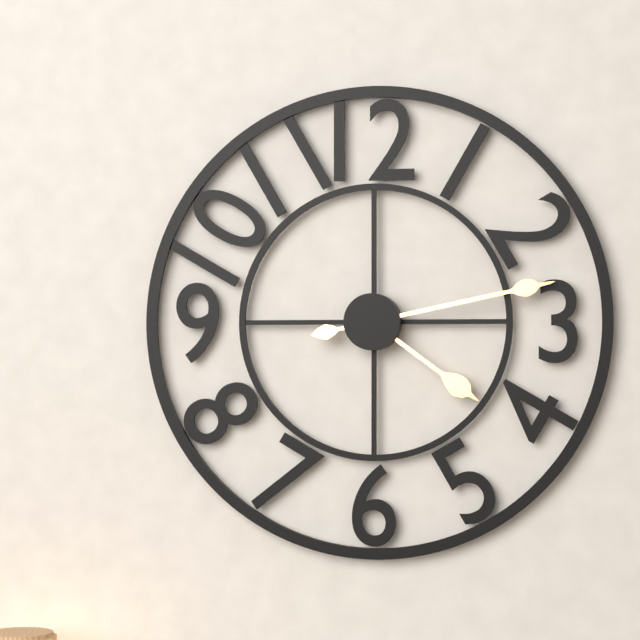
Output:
4 h 13 min
